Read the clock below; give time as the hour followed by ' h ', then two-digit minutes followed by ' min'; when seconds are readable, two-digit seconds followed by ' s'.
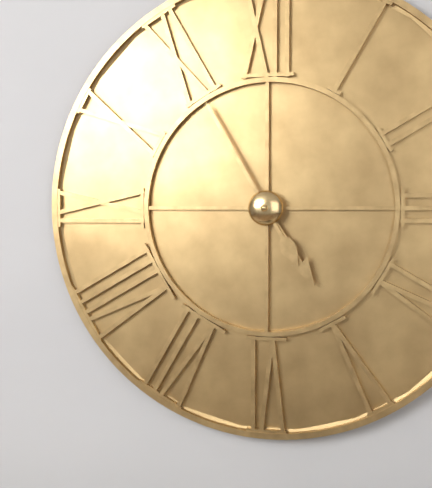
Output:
4 h 55 min
